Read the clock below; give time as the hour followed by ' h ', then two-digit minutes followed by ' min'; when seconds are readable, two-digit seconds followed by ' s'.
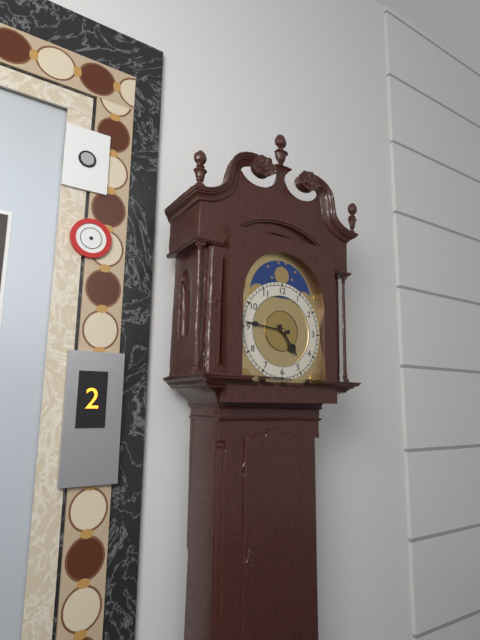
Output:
4 h 46 min
